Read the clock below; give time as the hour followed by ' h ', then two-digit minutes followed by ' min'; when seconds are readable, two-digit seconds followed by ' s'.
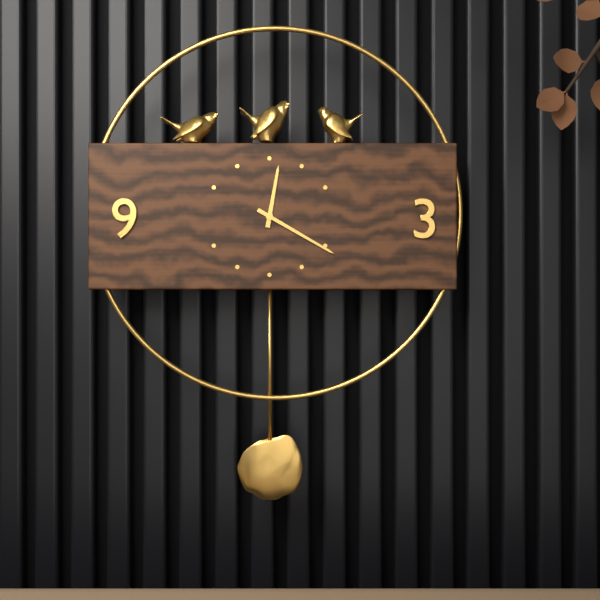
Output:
12 h 20 min
